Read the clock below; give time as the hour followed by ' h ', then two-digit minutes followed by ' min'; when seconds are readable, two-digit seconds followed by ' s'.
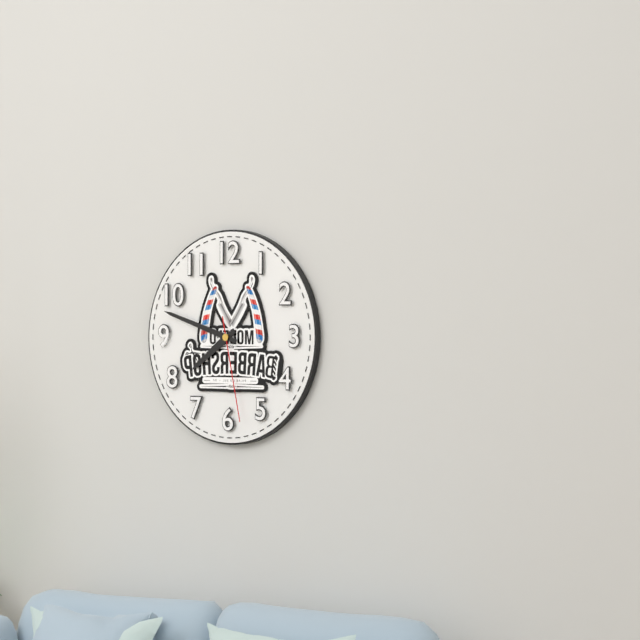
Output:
7 h 48 min 28 s
